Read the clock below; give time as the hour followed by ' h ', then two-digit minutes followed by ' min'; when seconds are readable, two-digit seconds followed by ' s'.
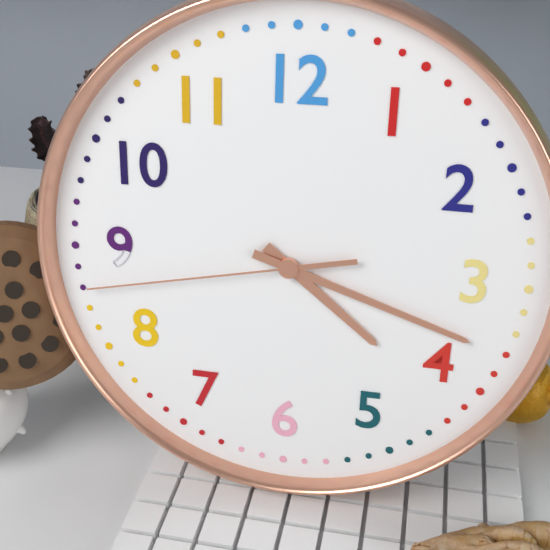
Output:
4 h 18 min 43 s
